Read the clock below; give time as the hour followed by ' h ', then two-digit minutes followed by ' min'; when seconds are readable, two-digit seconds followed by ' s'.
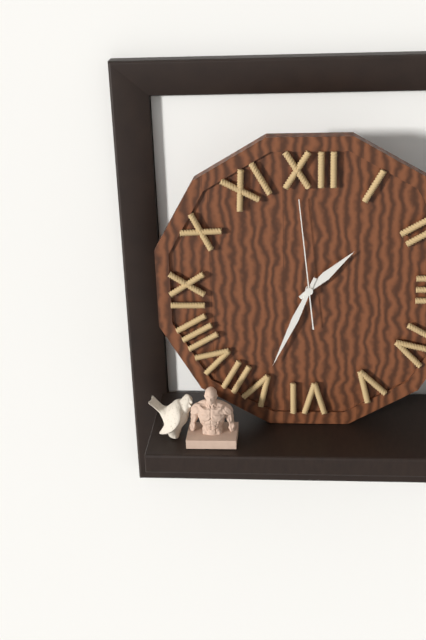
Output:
1 h 34 min 59 s
